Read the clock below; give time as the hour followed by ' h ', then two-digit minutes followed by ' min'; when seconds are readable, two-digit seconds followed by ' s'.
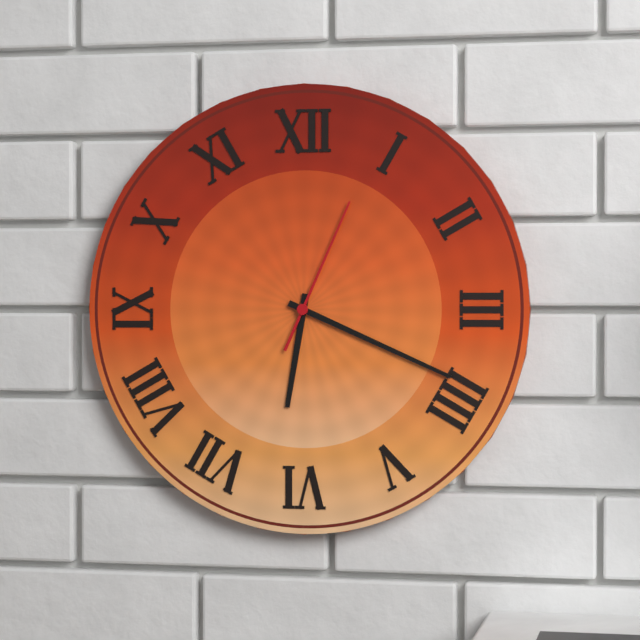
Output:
6 h 19 min 04 s
